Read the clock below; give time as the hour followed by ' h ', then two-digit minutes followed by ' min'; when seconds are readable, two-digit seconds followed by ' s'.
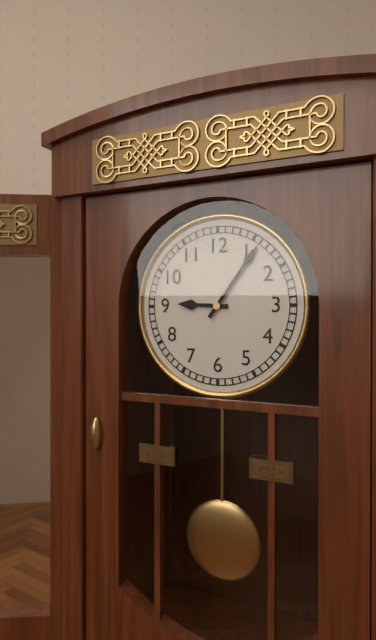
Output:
9 h 06 min
